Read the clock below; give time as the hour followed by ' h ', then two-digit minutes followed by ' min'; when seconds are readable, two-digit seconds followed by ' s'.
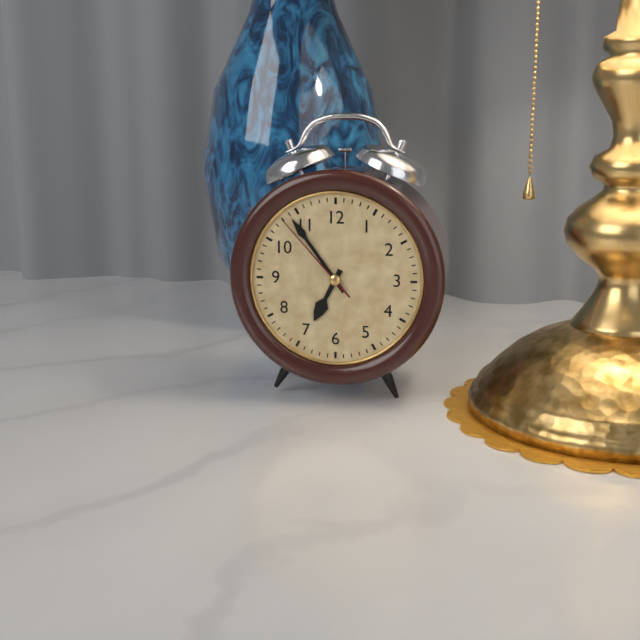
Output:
6 h 54 min 53 s
